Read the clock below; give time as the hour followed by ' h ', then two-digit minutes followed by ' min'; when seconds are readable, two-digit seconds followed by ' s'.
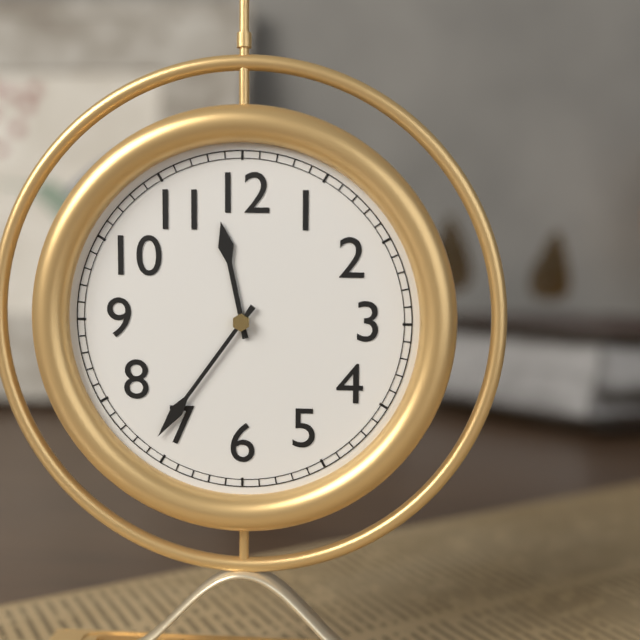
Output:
11 h 36 min
